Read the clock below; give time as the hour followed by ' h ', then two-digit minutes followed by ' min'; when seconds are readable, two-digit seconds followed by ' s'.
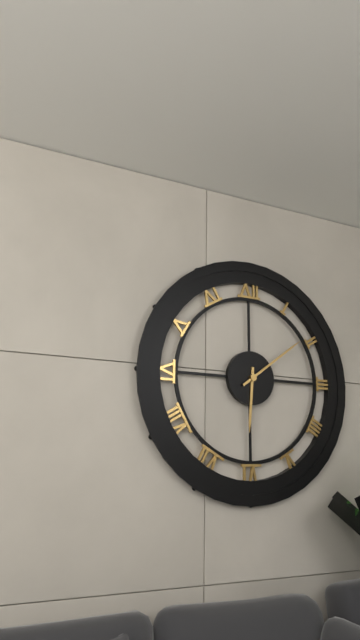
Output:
6 h 09 min
